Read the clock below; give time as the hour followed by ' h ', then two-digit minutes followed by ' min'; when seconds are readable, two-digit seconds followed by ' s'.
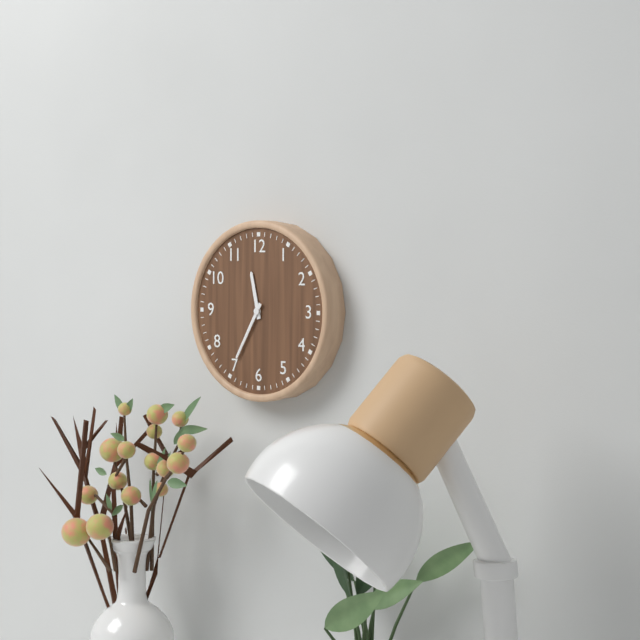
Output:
11 h 35 min
